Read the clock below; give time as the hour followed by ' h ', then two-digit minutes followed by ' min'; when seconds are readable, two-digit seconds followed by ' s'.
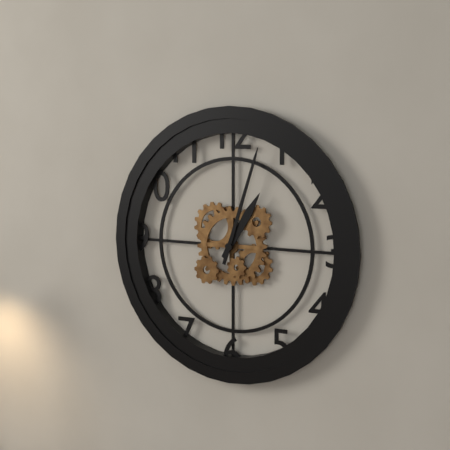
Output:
1 h 03 min
